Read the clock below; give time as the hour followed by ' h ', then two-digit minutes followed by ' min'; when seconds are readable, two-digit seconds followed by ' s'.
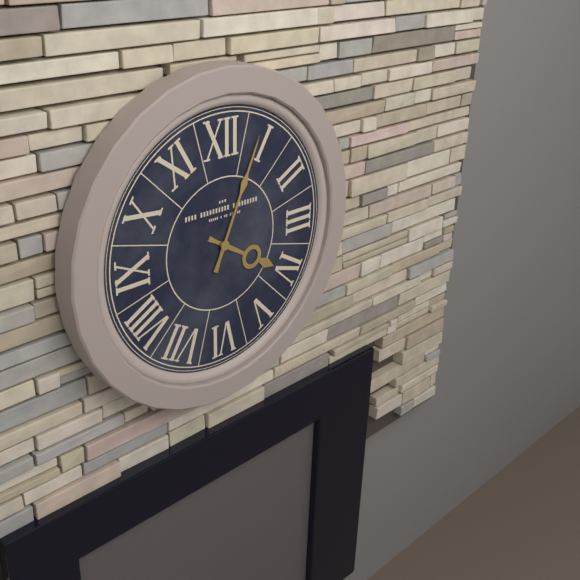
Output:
4 h 04 min
